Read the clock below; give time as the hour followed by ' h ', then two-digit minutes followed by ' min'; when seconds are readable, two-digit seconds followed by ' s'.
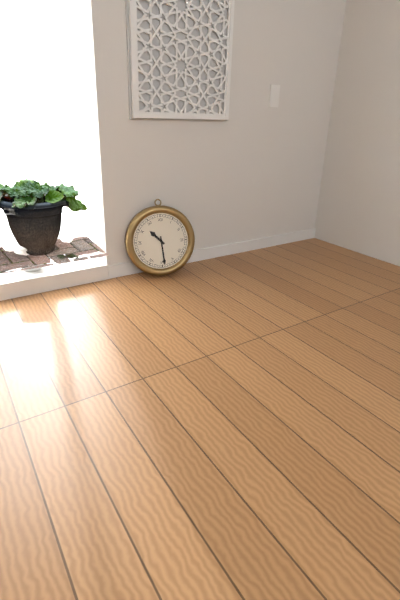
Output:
10 h 29 min
